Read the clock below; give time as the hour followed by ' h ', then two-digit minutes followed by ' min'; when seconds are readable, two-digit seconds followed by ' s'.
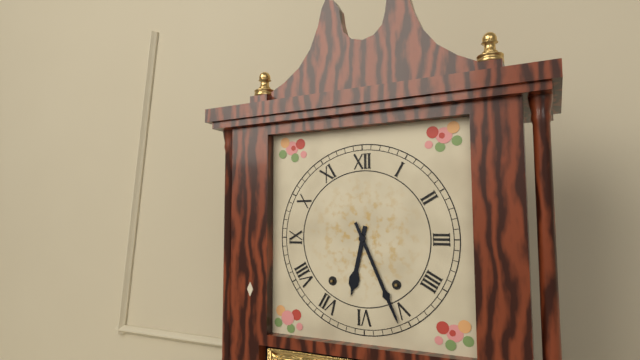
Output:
6 h 26 min
